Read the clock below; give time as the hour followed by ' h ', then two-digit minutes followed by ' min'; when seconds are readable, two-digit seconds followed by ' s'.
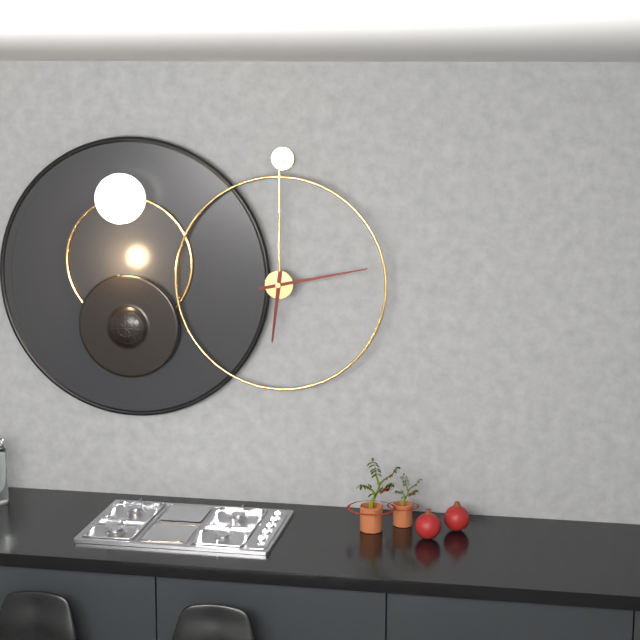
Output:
6 h 13 min
